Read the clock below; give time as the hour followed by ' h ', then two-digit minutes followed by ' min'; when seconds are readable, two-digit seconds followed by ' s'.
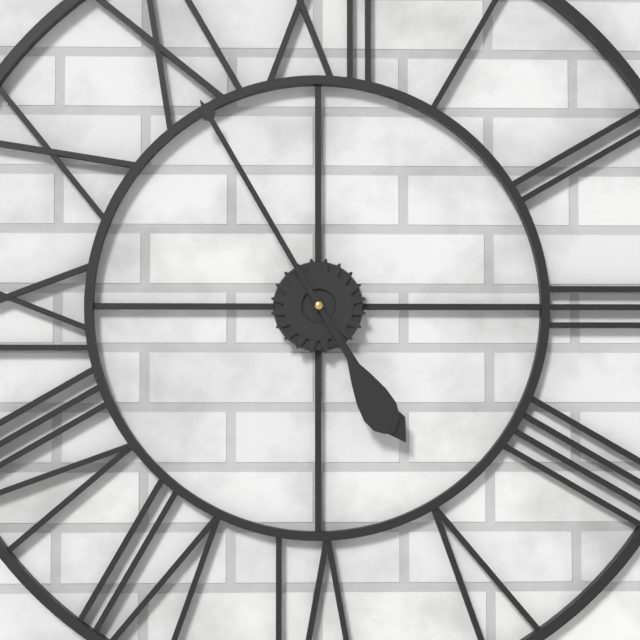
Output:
4 h 55 min
